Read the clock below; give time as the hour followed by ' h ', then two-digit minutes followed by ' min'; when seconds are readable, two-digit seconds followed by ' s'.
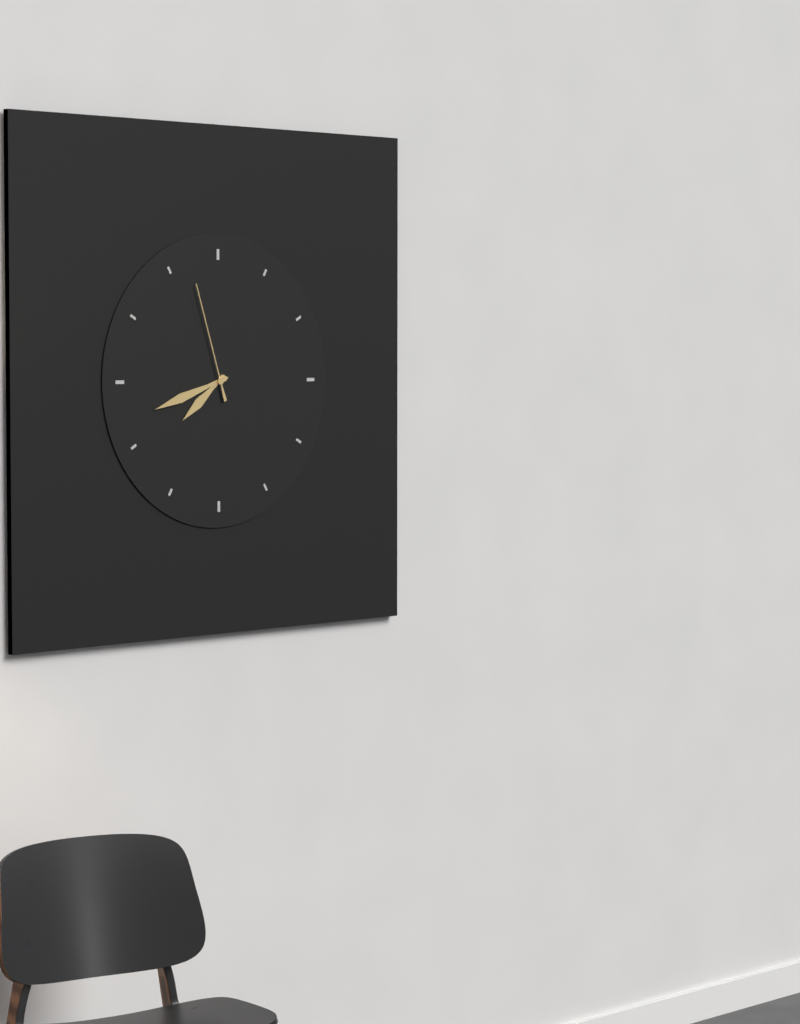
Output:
7 h 42 min 57 s
